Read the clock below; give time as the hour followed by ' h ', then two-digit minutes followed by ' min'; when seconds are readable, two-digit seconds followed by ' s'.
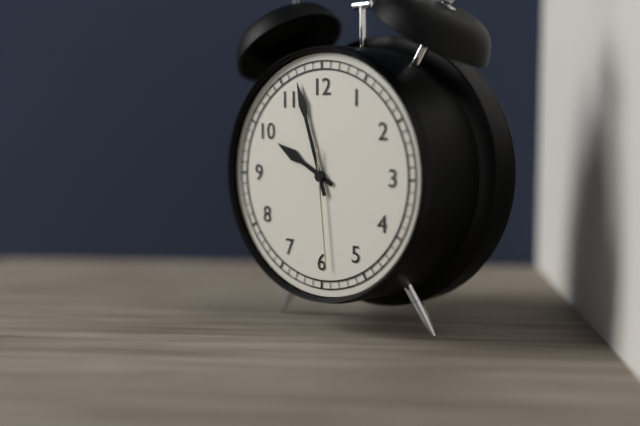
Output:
9 h 57 min 29 s
